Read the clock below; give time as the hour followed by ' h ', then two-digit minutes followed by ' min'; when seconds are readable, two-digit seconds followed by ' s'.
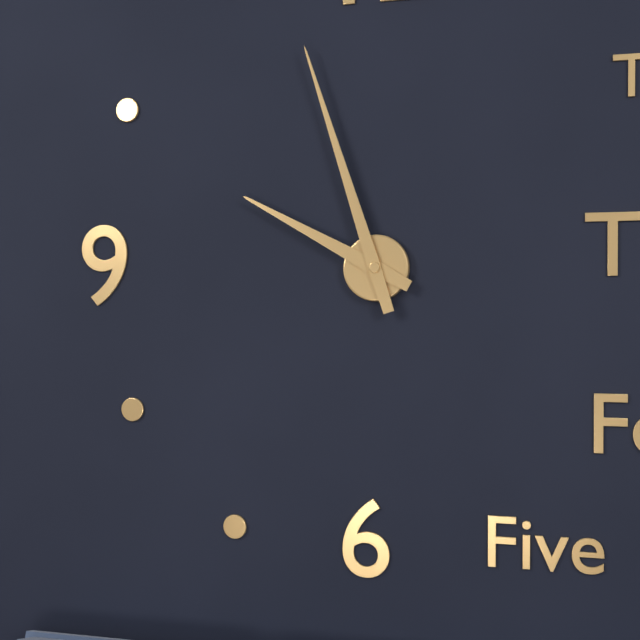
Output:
9 h 57 min
